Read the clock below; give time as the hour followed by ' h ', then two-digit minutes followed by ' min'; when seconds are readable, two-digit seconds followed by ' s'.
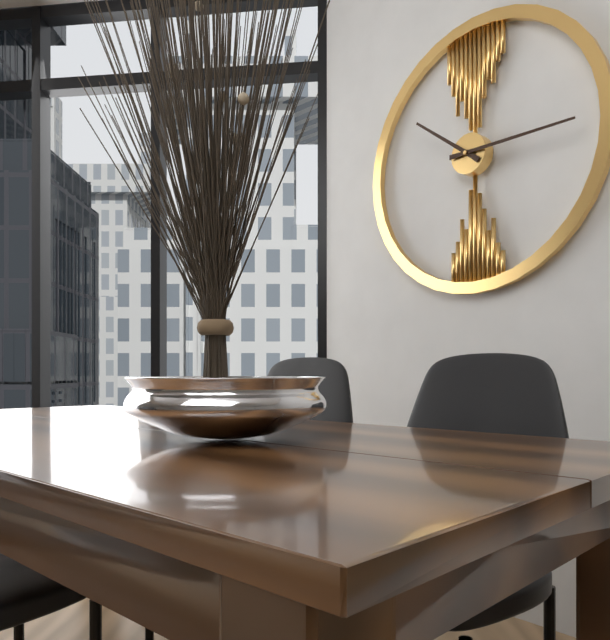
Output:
10 h 15 min
